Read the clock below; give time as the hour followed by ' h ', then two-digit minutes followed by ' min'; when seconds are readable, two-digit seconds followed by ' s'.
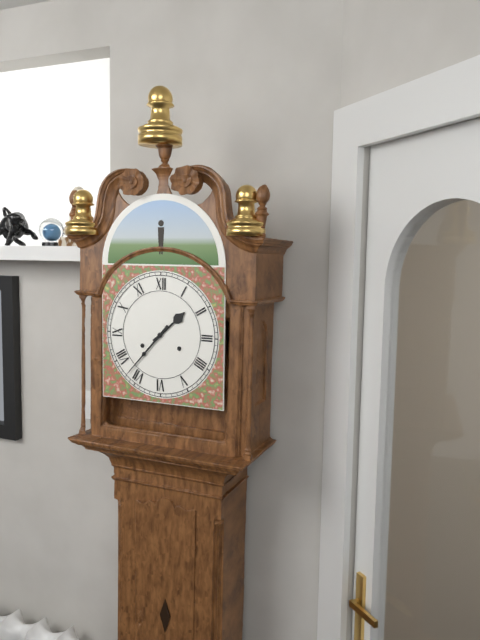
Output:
1 h 37 min
